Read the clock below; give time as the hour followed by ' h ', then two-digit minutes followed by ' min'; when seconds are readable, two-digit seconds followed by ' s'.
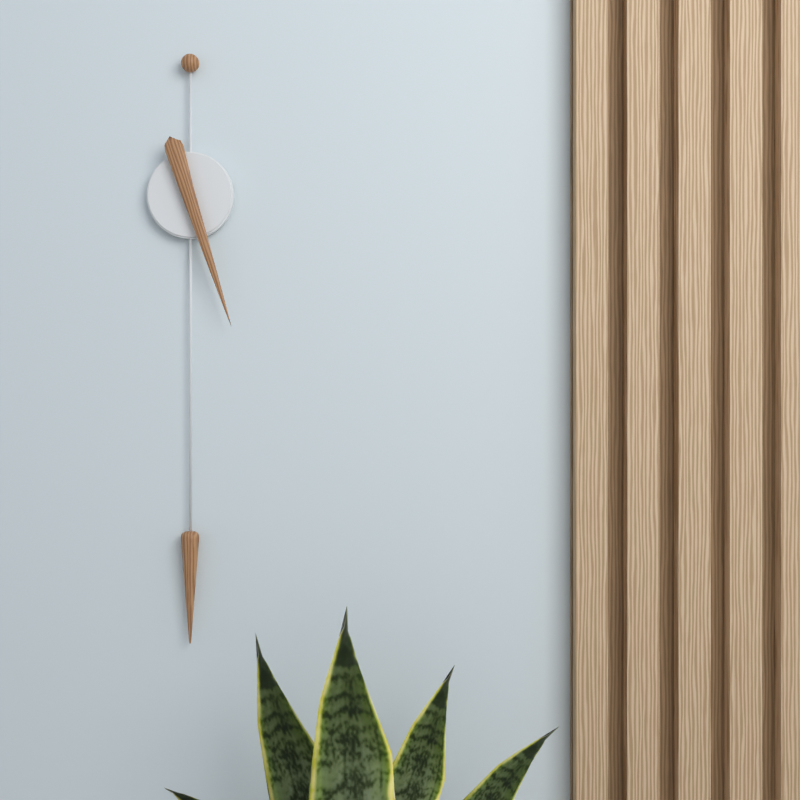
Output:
5 h 27 min
